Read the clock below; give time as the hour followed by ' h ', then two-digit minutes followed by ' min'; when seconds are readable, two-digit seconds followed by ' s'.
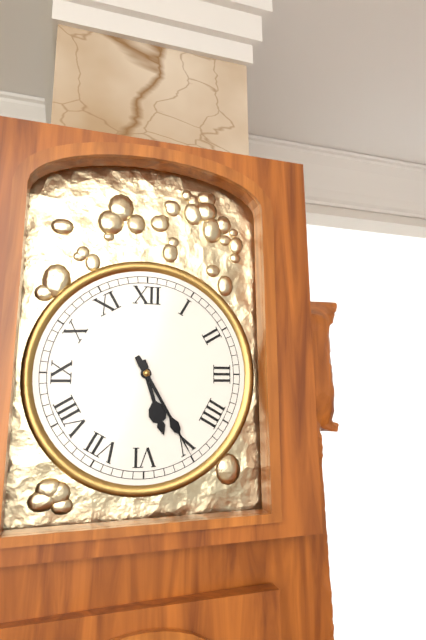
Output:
5 h 25 min
